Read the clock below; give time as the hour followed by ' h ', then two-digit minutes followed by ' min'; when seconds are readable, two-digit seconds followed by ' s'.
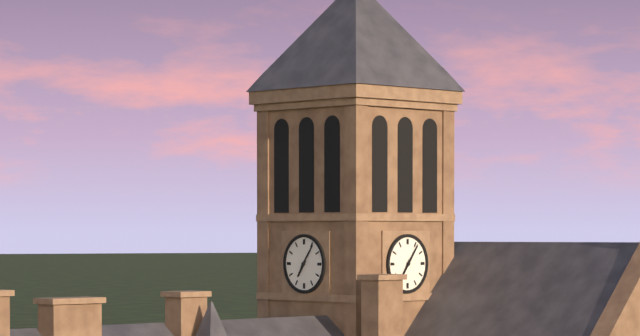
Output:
7 h 06 min
